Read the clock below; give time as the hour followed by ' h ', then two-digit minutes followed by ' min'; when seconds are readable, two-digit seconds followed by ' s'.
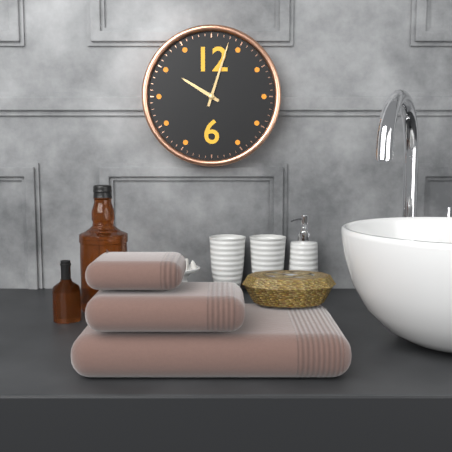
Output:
10 h 03 min
